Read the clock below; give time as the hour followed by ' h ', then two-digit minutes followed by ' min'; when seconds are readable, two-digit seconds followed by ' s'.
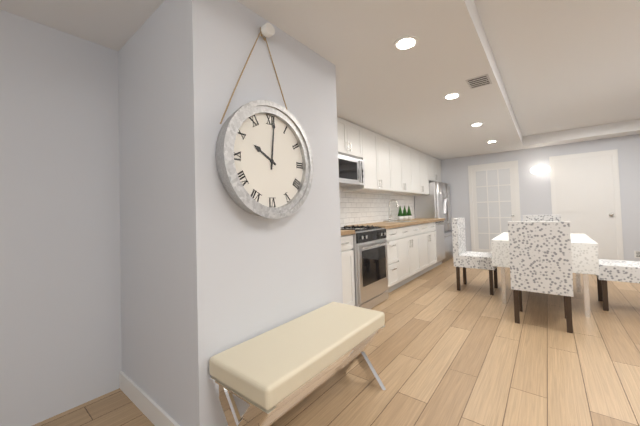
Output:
10 h 01 min
